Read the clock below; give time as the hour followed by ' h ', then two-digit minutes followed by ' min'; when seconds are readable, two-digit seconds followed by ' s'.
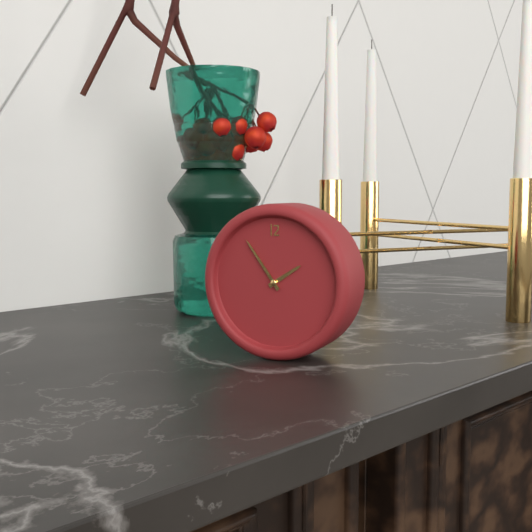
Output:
1 h 54 min
